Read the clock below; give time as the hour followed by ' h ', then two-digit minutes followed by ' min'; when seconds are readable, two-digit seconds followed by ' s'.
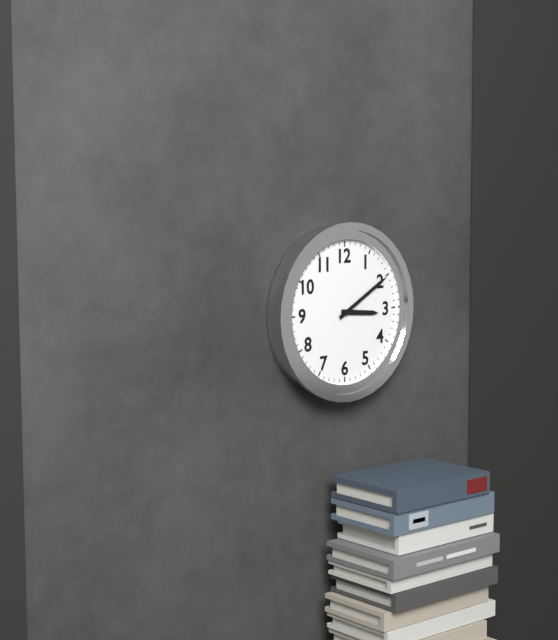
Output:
3 h 10 min
